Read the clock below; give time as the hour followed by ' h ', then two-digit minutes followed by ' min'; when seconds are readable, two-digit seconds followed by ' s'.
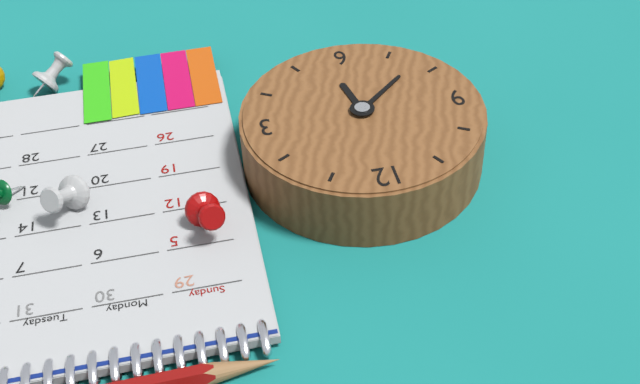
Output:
5 h 38 min
